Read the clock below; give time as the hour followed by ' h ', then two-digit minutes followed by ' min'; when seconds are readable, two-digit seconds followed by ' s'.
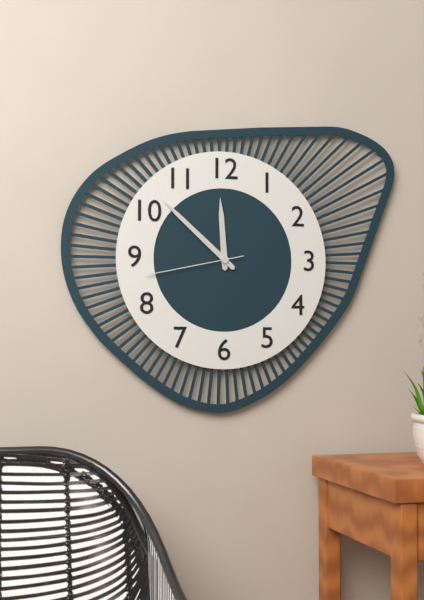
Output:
11 h 52 min 43 s
